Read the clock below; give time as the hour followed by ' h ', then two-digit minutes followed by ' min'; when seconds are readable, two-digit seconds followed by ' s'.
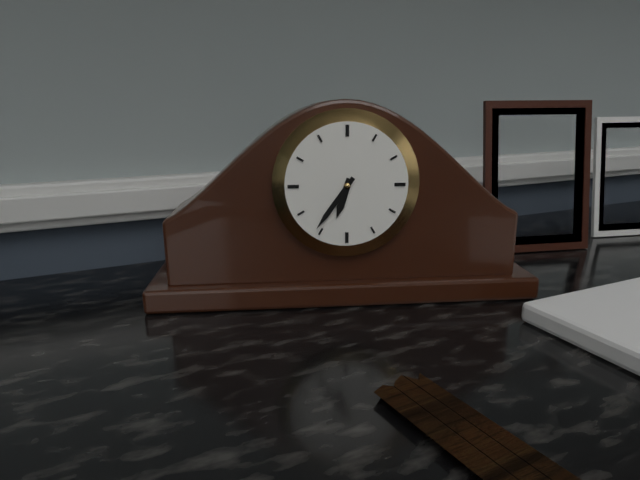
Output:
6 h 36 min
